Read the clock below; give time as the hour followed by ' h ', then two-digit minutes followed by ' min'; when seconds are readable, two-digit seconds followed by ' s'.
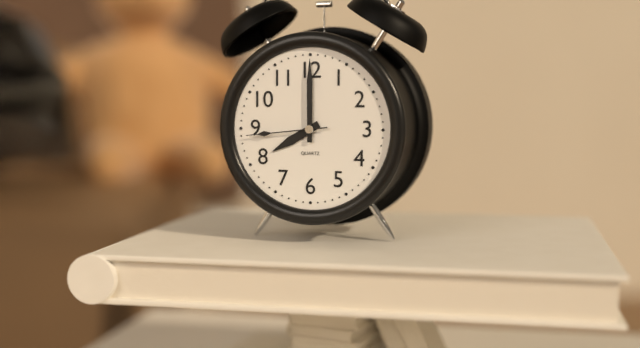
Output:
8 h 00 min 44 s
